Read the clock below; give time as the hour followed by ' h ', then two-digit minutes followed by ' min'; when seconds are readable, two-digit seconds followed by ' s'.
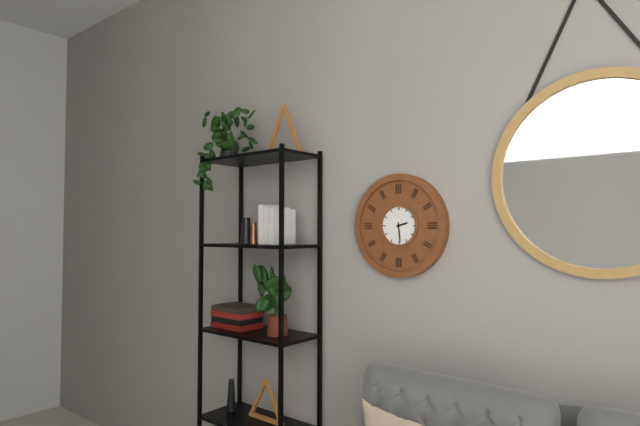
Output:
2 h 29 min
